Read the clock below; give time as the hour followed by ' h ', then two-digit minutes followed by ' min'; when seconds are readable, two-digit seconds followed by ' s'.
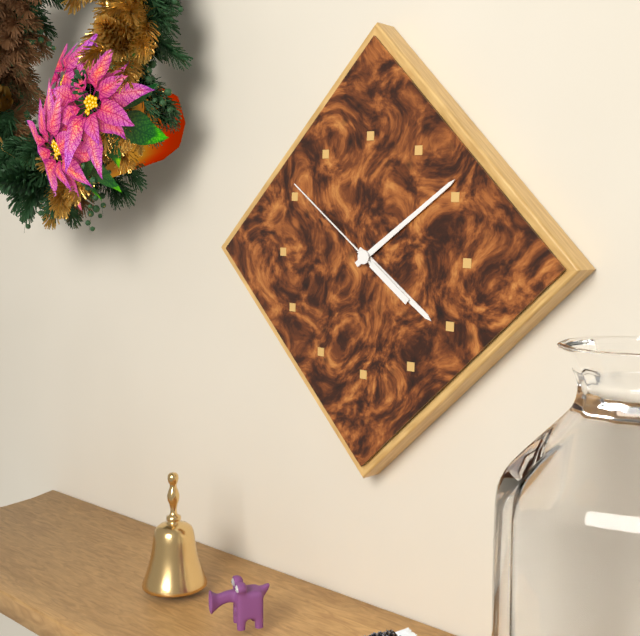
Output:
4 h 09 min 51 s
